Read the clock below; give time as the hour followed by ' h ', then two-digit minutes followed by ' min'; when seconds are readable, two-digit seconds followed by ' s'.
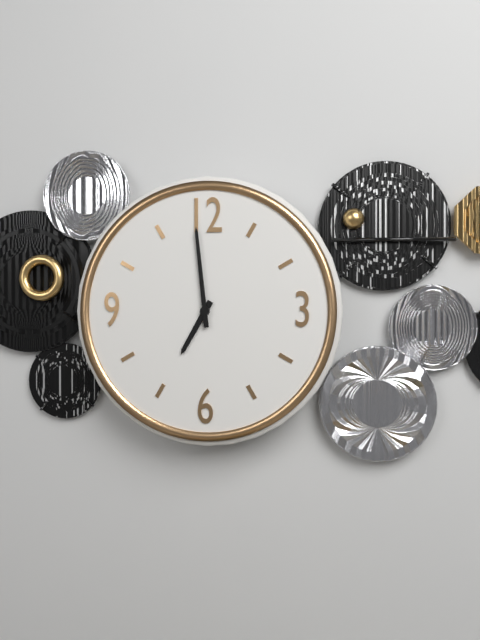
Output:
6 h 59 min
